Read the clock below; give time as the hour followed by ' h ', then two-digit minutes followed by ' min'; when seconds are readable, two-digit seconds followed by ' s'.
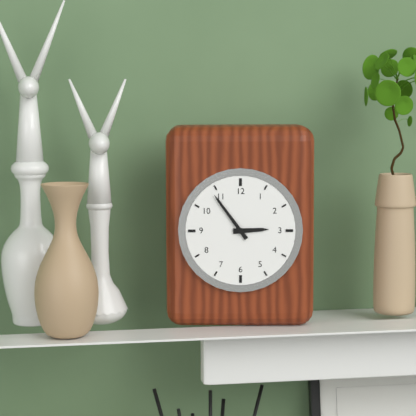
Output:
2 h 54 min
